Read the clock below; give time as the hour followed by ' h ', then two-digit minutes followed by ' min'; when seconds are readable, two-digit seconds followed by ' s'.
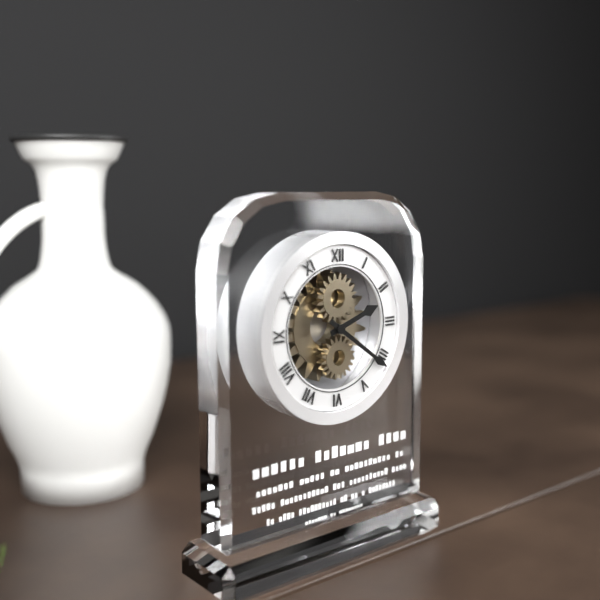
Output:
2 h 21 min
